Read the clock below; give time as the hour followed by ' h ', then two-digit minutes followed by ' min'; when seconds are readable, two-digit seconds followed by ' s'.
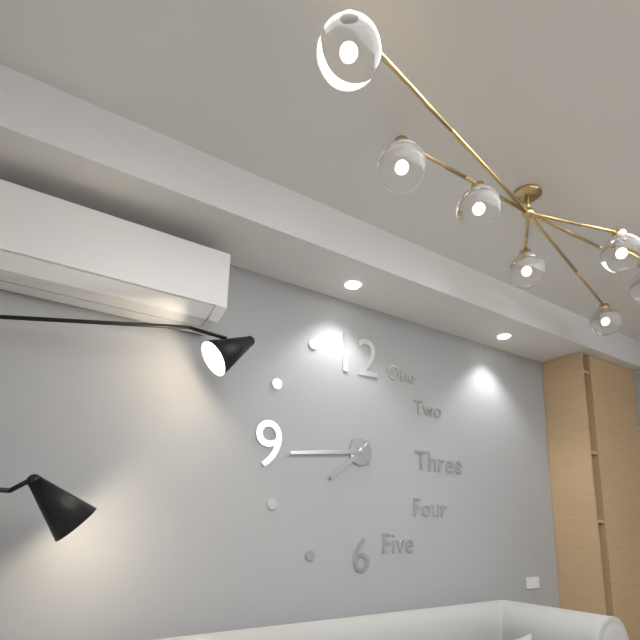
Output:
7 h 44 min
